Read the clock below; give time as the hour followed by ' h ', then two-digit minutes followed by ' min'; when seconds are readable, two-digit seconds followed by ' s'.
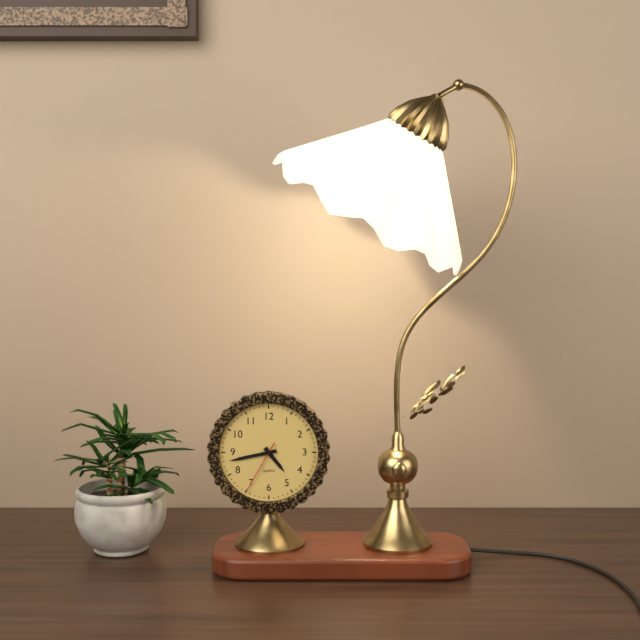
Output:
4 h 43 min 35 s
